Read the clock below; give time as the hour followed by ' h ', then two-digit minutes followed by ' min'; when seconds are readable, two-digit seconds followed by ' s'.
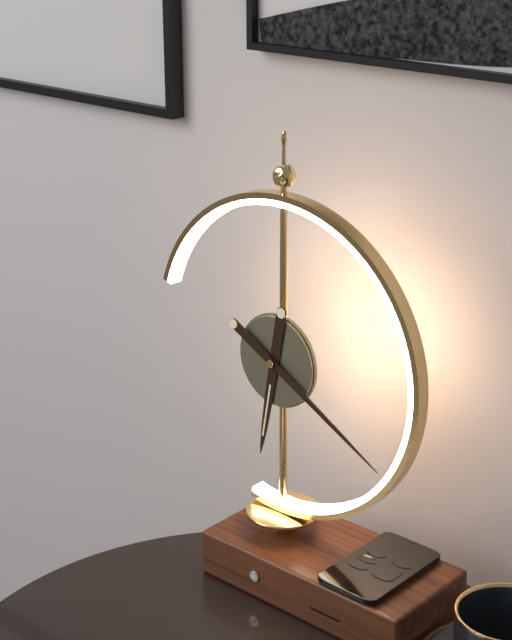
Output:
6 h 20 min
